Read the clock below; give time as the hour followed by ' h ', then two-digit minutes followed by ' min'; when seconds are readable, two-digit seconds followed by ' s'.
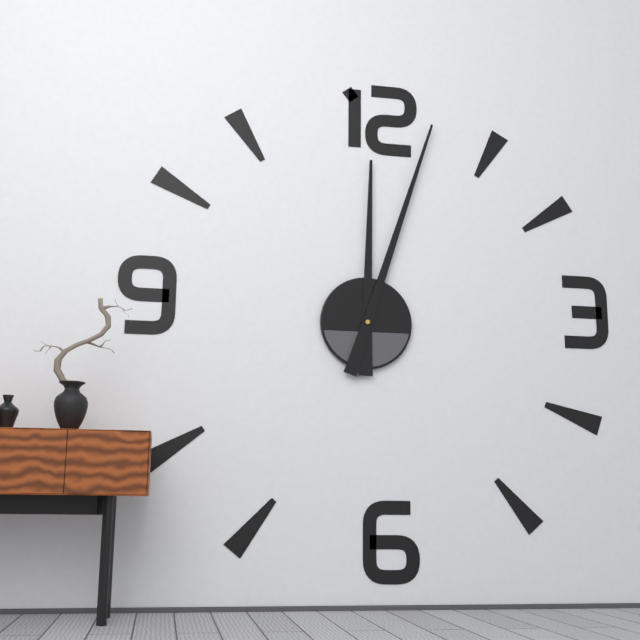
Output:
12 h 03 min
